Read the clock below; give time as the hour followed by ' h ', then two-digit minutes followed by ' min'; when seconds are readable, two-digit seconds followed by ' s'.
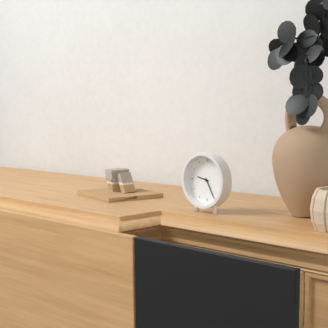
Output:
9 h 25 min
